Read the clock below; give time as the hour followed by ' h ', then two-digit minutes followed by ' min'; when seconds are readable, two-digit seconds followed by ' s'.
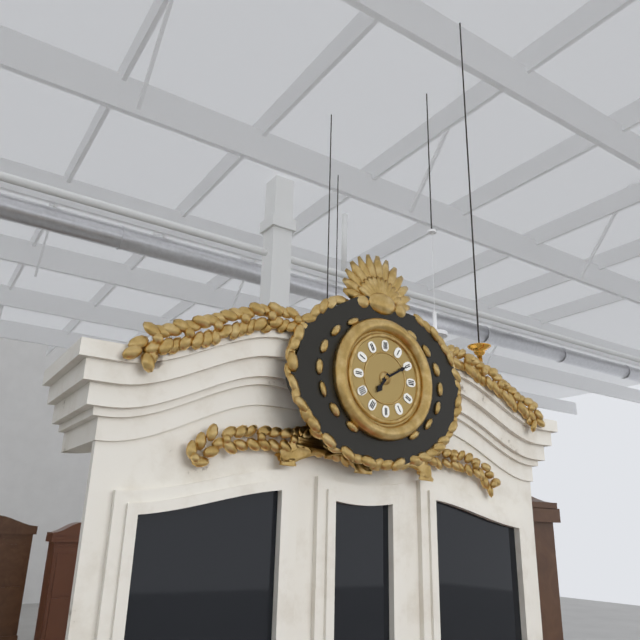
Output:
7 h 10 min
